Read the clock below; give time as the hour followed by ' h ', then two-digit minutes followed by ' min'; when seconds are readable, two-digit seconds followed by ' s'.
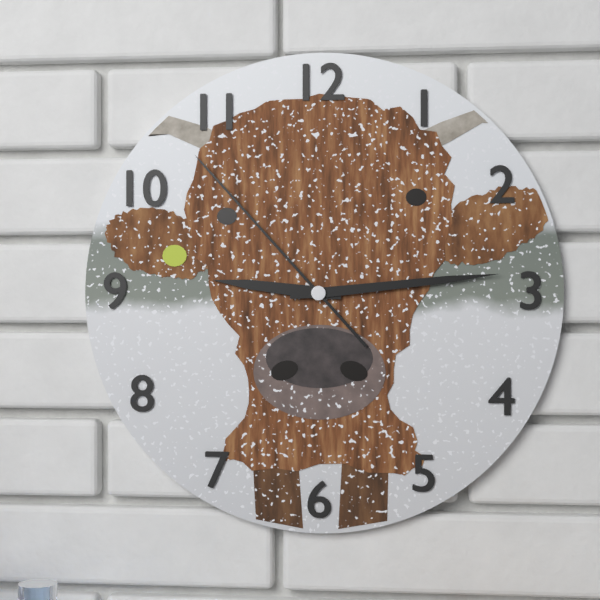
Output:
9 h 14 min 53 s
